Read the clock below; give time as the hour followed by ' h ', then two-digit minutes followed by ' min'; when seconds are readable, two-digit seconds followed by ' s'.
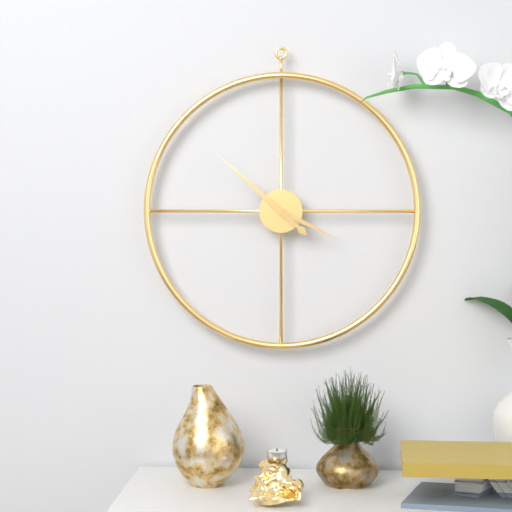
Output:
3 h 52 min
